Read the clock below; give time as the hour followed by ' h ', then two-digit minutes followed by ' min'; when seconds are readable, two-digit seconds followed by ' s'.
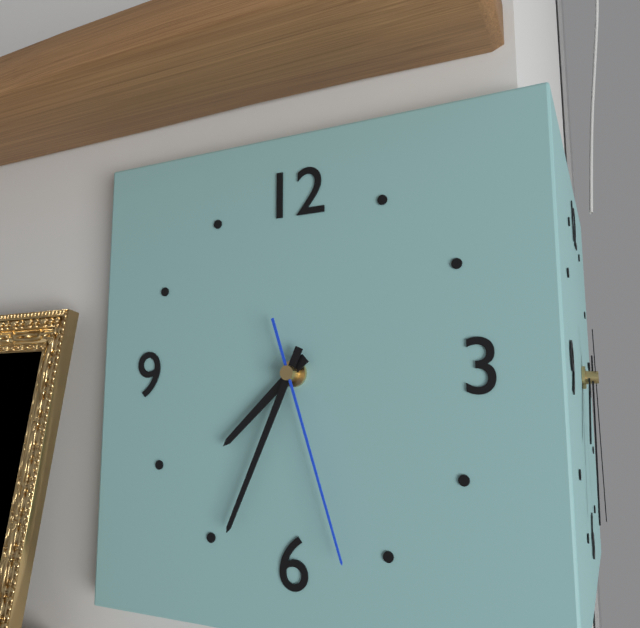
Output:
7 h 34 min 27 s
